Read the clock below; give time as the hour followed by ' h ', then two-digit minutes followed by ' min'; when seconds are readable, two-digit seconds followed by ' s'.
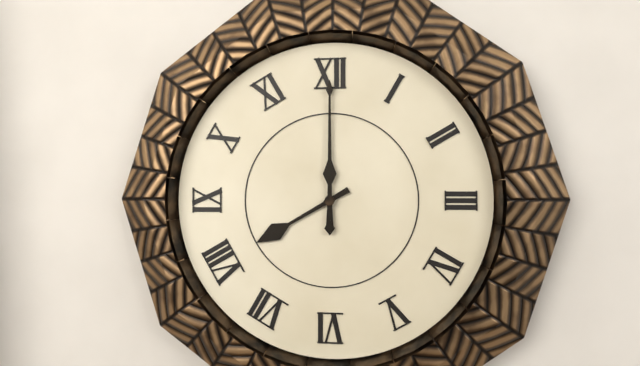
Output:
8 h 00 min
